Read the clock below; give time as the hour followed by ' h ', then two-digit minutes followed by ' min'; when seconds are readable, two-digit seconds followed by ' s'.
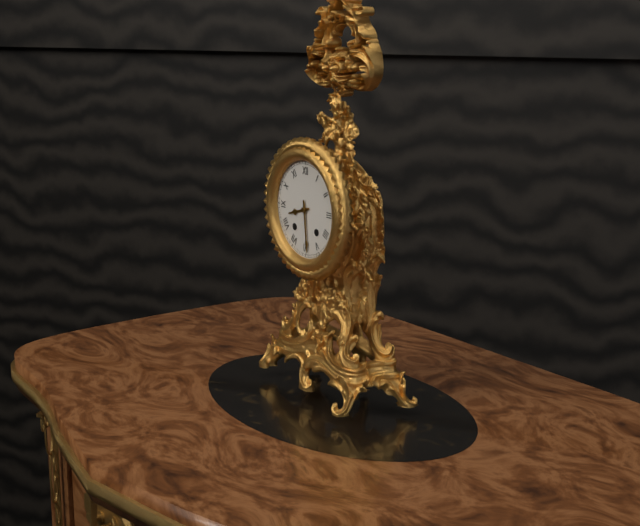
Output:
8 h 29 min
